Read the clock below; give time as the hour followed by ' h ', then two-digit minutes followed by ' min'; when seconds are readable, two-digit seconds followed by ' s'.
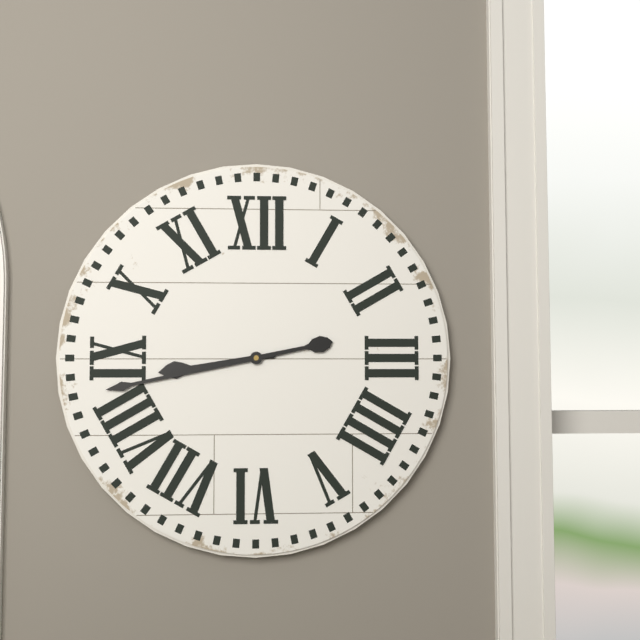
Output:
8 h 43 min
